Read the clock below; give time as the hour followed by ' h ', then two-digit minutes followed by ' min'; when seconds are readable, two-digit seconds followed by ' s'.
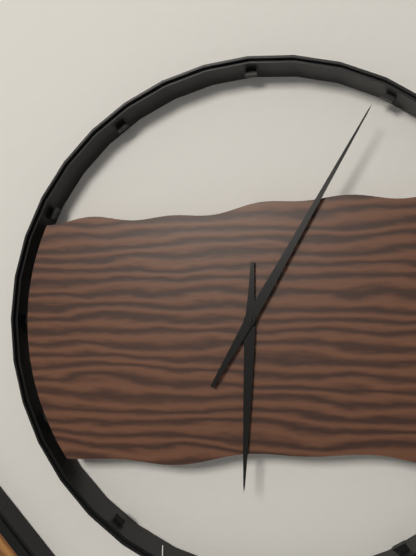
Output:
6 h 05 min
